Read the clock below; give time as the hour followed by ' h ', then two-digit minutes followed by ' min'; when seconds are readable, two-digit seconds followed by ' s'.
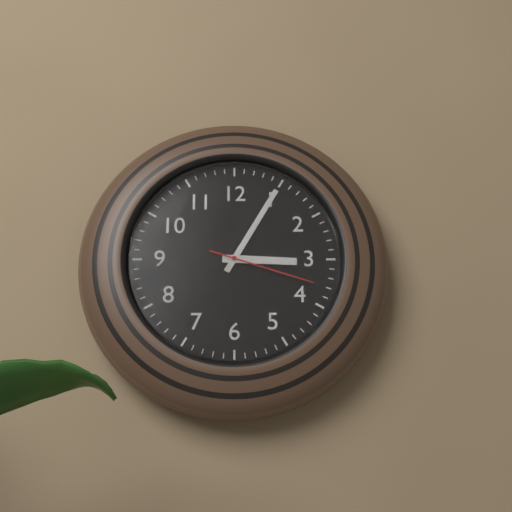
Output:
3 h 05 min 18 s
